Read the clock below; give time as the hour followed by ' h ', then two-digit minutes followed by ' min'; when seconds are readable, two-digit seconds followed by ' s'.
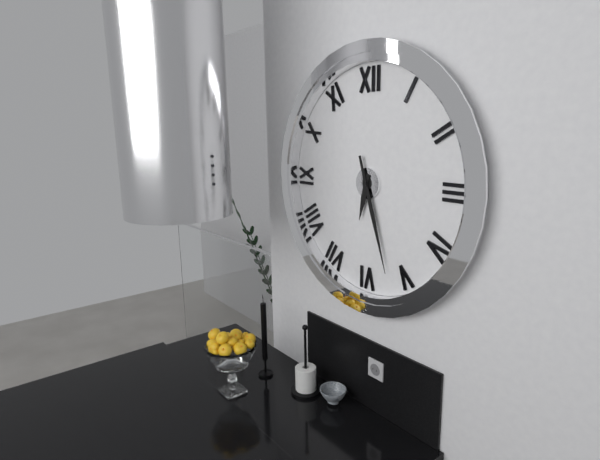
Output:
6 h 27 min
